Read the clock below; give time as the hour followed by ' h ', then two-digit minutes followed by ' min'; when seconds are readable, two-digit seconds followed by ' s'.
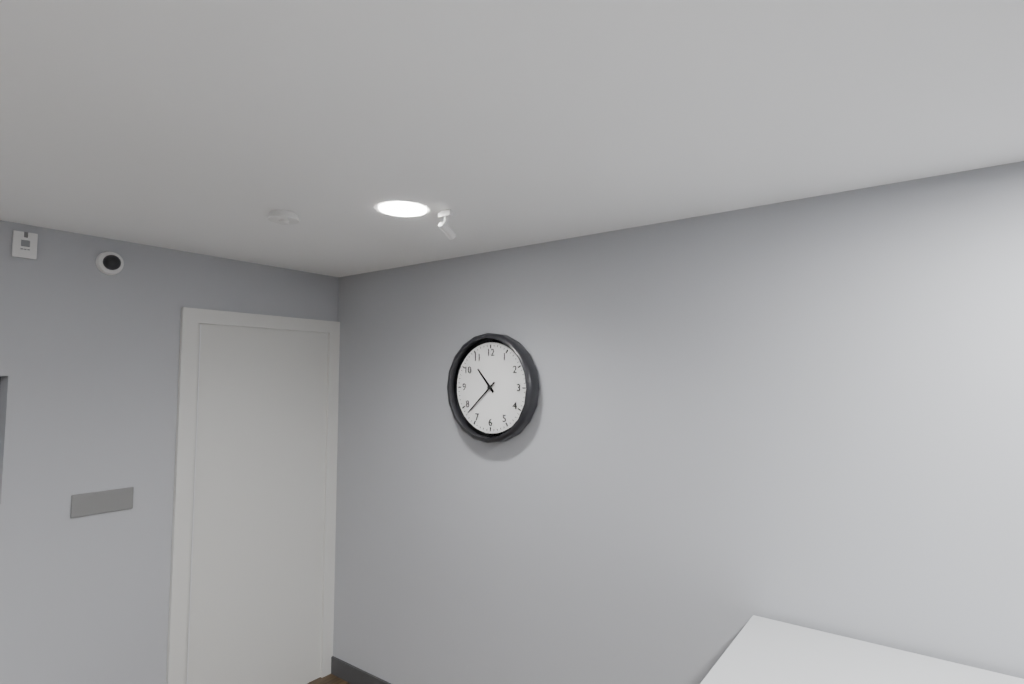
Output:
10 h 38 min
